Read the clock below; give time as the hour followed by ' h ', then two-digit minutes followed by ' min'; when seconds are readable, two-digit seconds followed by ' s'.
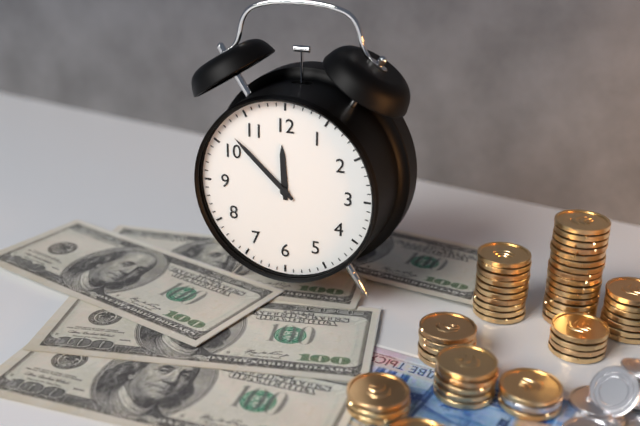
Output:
11 h 52 min
